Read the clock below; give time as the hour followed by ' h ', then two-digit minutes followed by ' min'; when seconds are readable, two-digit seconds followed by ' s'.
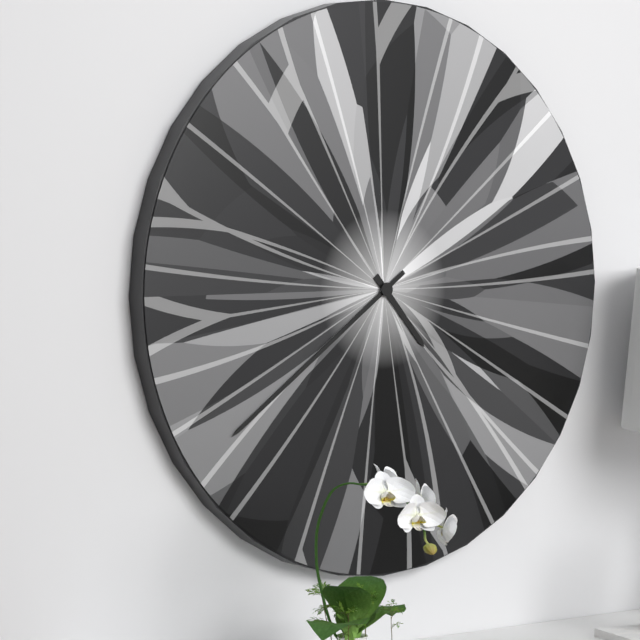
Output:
4 h 39 min
